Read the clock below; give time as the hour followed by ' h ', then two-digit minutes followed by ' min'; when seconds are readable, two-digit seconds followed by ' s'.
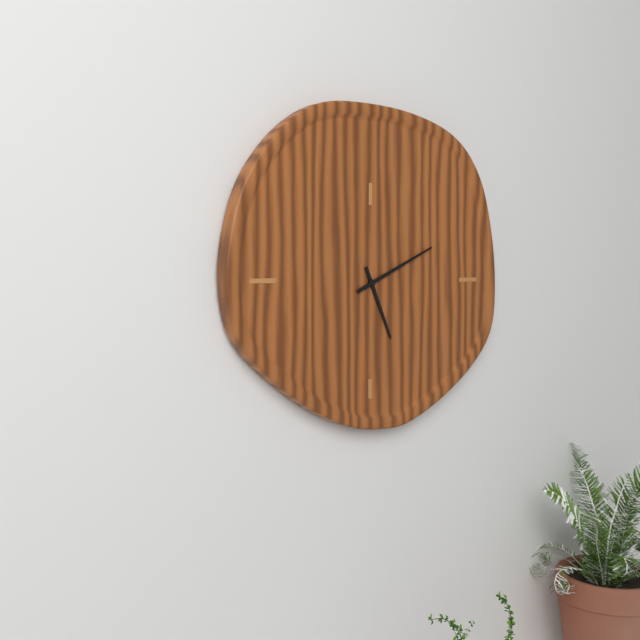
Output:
5 h 11 min
